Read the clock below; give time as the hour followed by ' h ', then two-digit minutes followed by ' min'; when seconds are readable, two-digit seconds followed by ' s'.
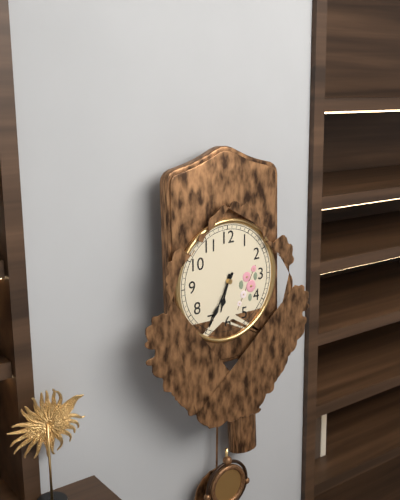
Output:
6 h 35 min
